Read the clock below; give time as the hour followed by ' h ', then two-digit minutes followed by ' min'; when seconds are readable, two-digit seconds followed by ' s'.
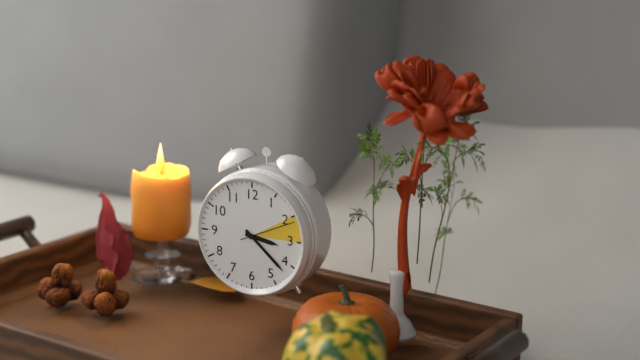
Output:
3 h 22 min 11 s
